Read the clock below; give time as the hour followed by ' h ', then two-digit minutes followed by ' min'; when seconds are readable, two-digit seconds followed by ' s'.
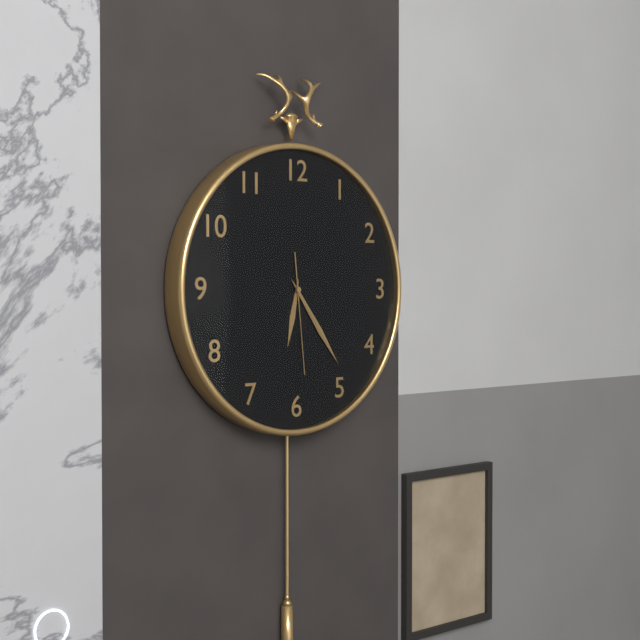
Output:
6 h 24 min 29 s
